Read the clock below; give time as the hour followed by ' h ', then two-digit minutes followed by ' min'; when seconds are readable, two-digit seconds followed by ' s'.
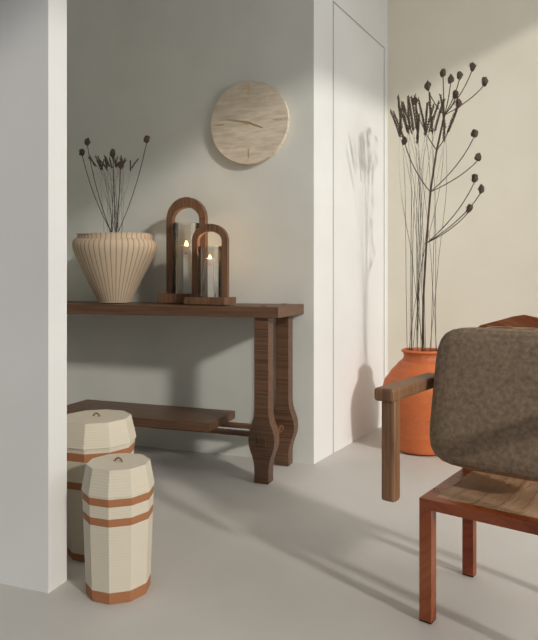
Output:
3 h 47 min
